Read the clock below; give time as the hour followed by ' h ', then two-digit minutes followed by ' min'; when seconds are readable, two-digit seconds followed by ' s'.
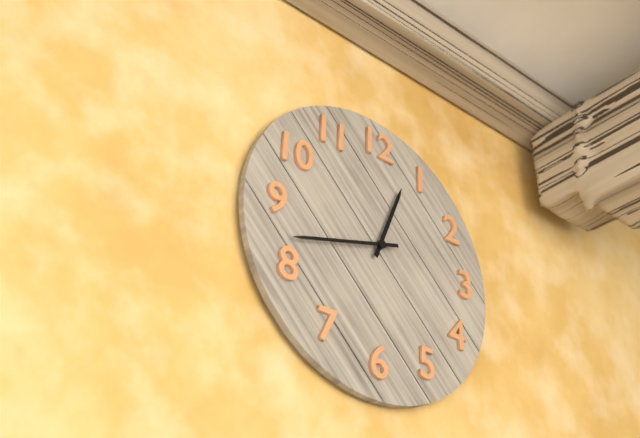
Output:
12 h 42 min
